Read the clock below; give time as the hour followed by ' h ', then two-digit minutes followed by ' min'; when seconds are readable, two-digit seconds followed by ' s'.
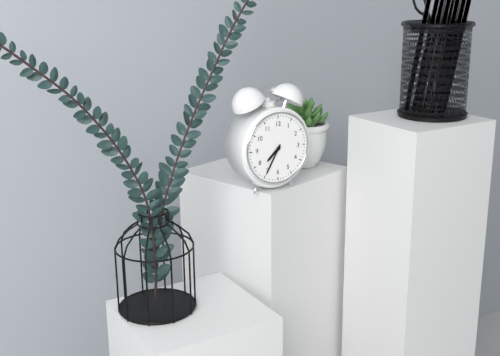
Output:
7 h 35 min
